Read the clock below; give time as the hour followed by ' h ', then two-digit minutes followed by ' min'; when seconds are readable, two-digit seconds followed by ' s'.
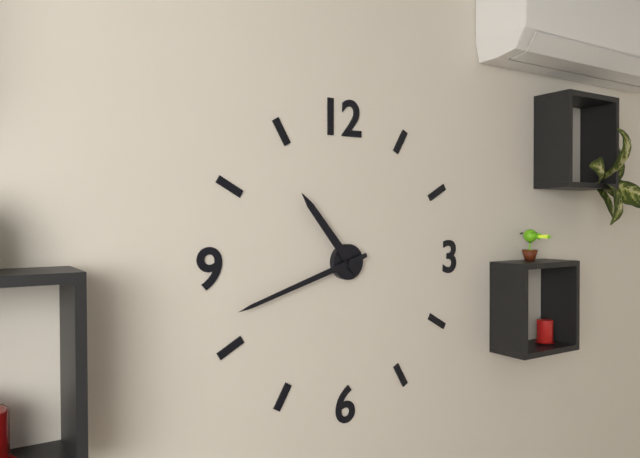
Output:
10 h 42 min
